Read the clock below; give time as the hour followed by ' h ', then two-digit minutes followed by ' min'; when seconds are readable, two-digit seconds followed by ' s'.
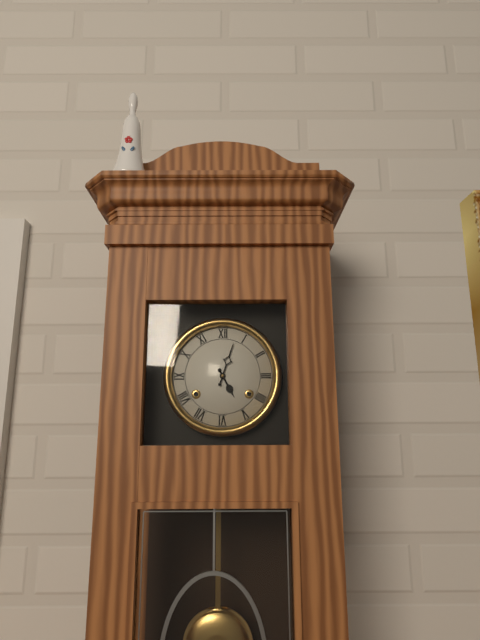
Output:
5 h 03 min
